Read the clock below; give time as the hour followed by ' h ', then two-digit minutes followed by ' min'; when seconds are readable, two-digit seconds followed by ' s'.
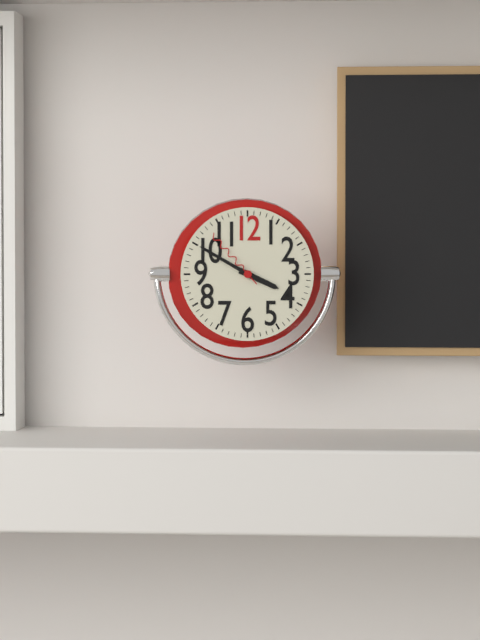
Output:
3 h 50 min 53 s
